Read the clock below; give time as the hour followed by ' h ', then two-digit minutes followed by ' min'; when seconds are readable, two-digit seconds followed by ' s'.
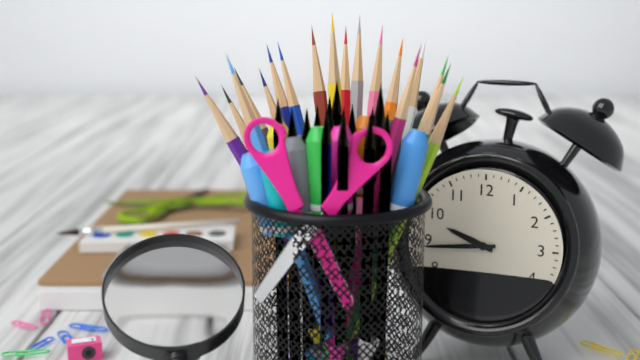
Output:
9 h 44 min
